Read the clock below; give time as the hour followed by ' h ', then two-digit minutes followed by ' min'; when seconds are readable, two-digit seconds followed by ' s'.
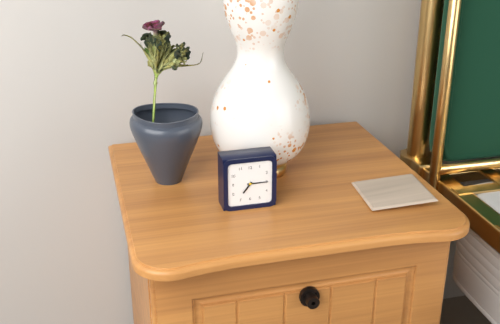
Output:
7 h 15 min
